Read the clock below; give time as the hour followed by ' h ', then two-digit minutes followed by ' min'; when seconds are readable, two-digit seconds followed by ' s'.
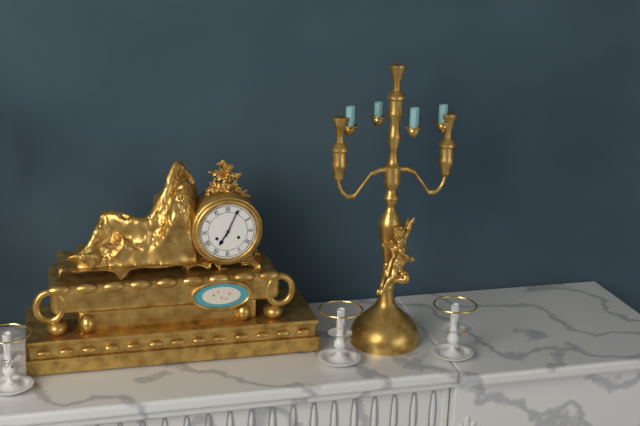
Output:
7 h 04 min
